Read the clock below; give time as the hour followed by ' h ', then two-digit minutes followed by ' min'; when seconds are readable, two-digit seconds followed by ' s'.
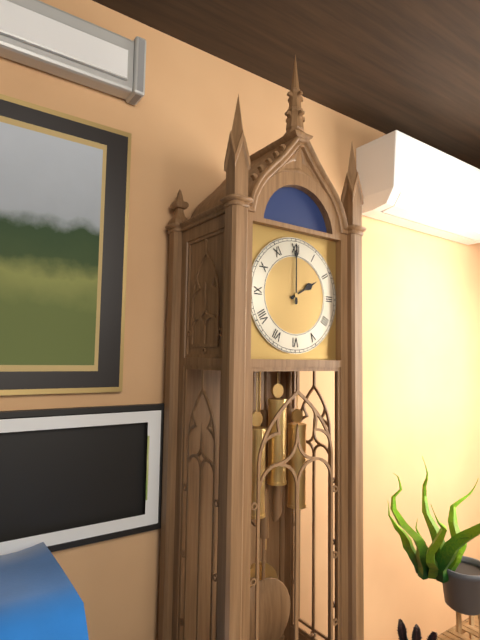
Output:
2 h 00 min
